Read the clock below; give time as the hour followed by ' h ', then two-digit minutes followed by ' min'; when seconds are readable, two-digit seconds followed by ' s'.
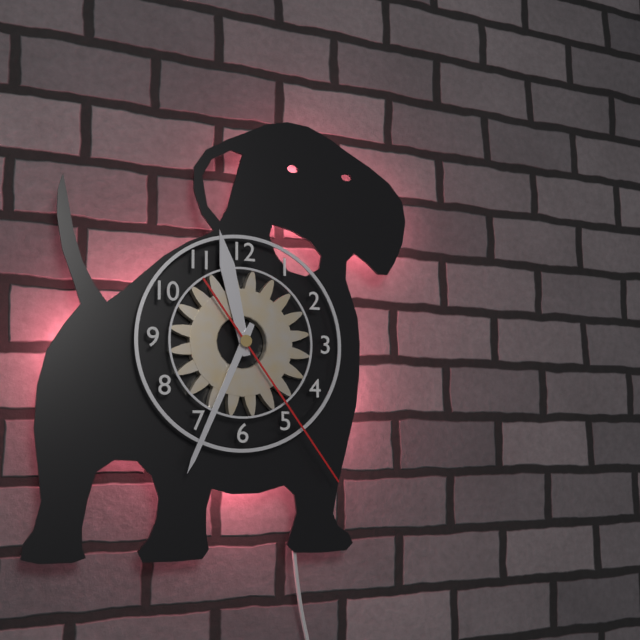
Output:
11 h 34 min 24 s
